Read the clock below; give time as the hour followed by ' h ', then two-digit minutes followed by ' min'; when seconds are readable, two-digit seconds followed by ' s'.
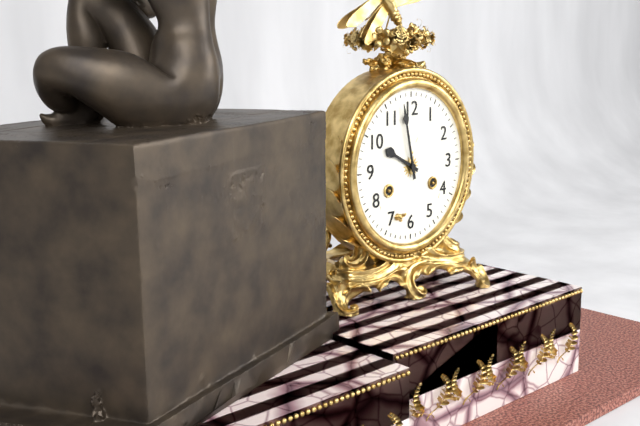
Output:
9 h 58 min
